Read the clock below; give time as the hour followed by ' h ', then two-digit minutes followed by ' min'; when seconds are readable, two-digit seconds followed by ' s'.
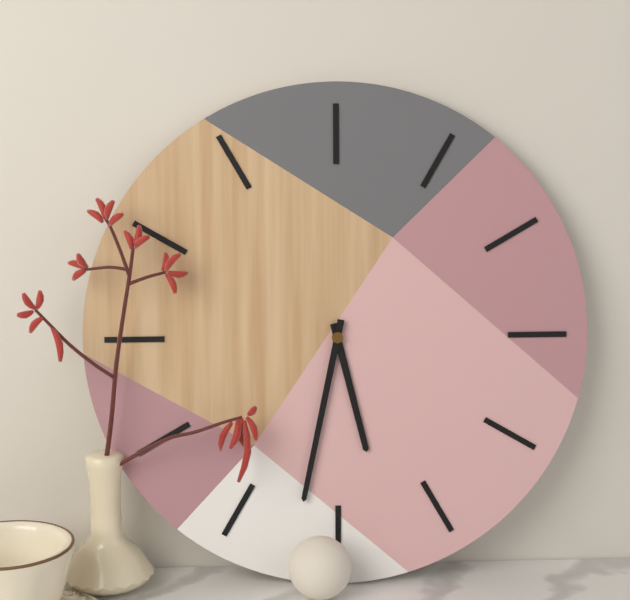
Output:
5 h 32 min
